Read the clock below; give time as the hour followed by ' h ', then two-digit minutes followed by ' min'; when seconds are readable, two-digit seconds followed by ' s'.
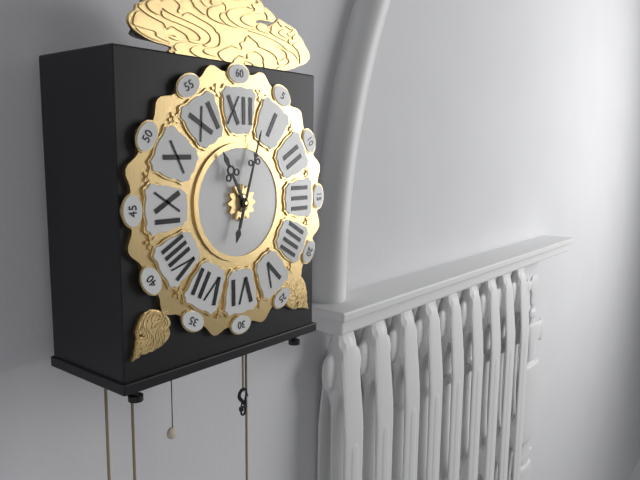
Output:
11 h 03 min
